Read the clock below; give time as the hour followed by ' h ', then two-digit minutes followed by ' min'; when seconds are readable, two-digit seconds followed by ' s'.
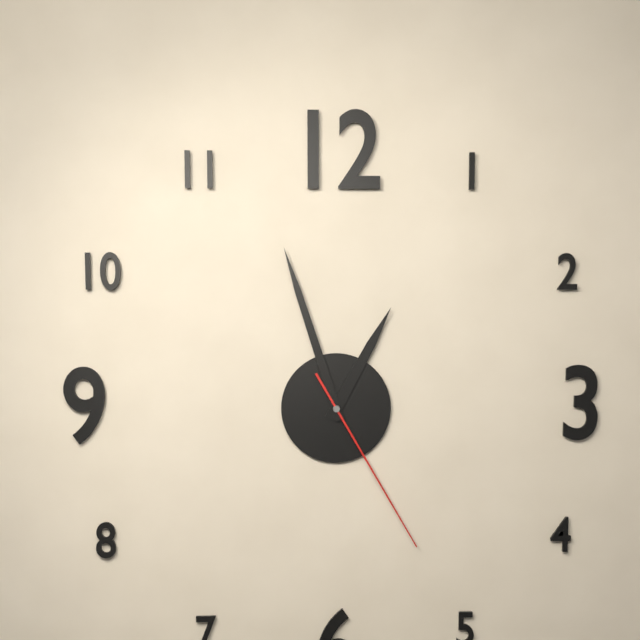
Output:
12 h 57 min 25 s
